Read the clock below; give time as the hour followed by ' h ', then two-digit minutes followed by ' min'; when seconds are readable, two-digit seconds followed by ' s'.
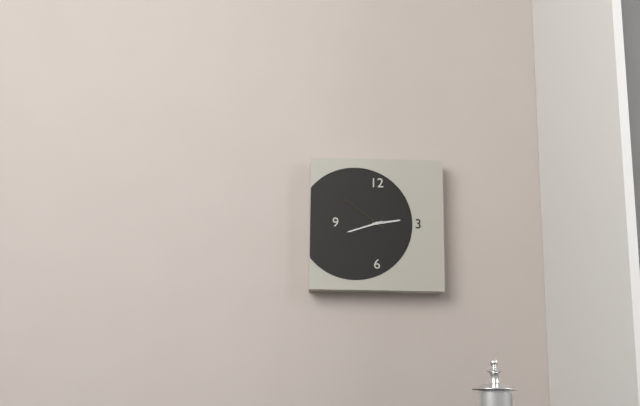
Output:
2 h 42 min 51 s
